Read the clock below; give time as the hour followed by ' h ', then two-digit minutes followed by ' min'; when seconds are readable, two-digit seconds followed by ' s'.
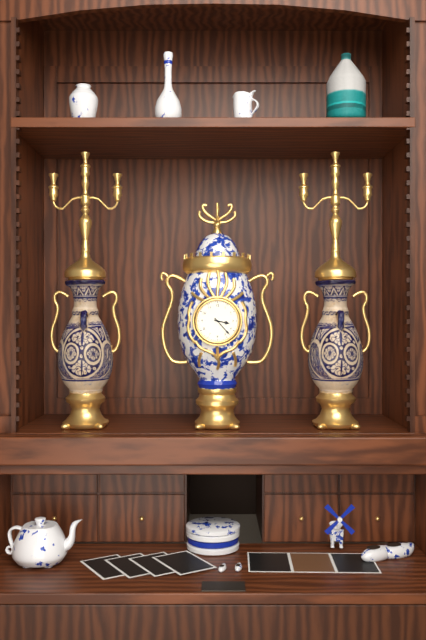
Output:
3 h 23 min
